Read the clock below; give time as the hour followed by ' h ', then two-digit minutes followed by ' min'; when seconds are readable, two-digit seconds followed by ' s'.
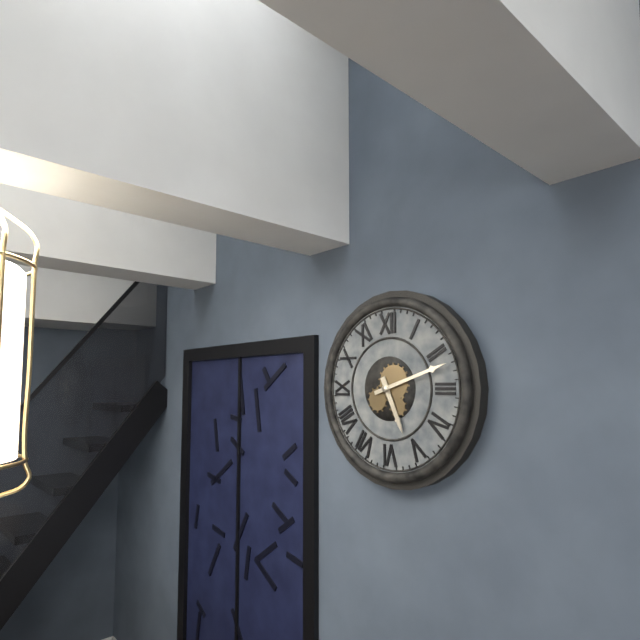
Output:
5 h 12 min
